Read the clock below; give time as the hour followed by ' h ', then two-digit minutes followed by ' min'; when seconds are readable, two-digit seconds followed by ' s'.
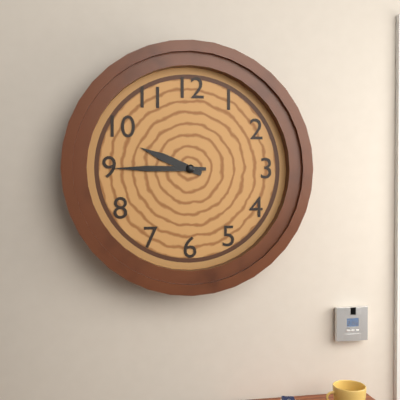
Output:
9 h 45 min
